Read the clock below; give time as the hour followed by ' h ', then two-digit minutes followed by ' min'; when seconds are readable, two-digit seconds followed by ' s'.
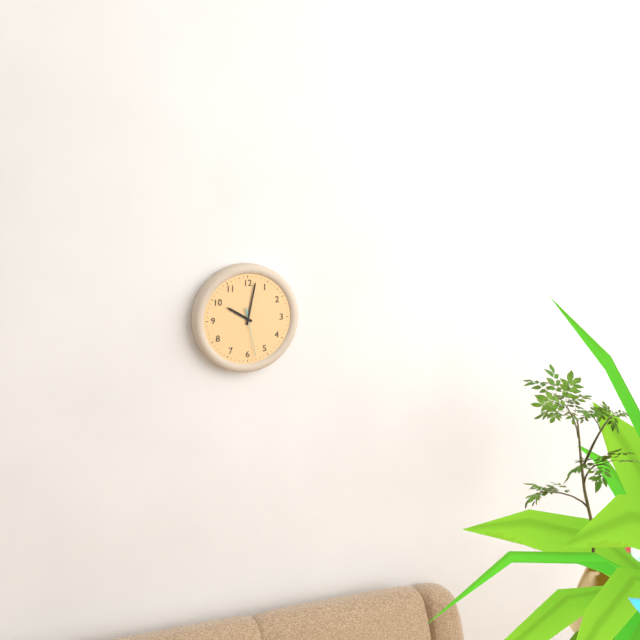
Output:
10 h 02 min 28 s
